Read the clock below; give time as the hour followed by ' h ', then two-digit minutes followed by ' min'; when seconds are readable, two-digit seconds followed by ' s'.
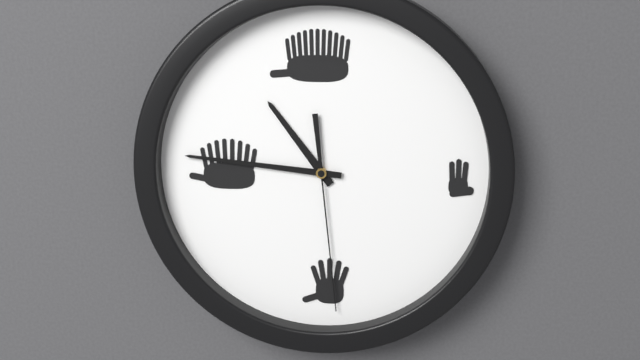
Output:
10 h 46 min 29 s
